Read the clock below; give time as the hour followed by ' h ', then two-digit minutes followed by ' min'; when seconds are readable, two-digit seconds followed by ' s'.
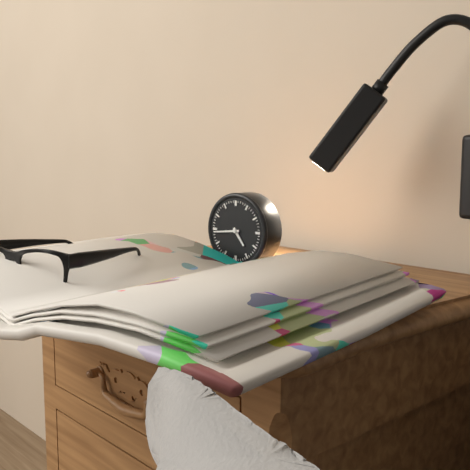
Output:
4 h 44 min
